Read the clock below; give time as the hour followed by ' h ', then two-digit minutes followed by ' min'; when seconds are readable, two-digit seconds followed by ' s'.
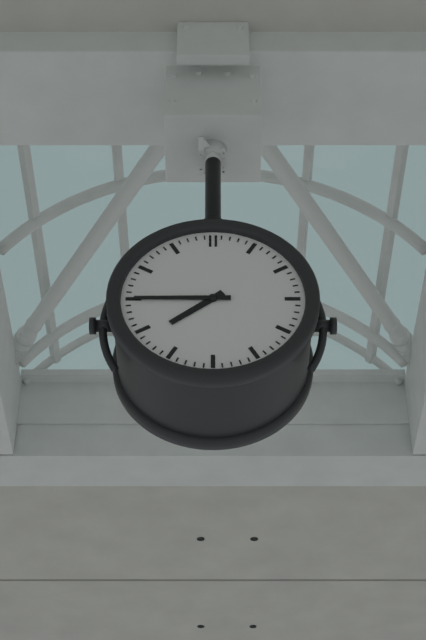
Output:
7 h 45 min
